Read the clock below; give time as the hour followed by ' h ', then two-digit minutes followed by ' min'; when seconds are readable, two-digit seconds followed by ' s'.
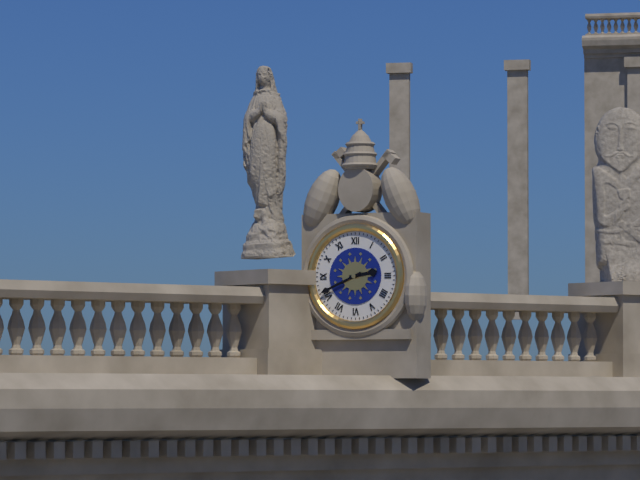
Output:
2 h 41 min
